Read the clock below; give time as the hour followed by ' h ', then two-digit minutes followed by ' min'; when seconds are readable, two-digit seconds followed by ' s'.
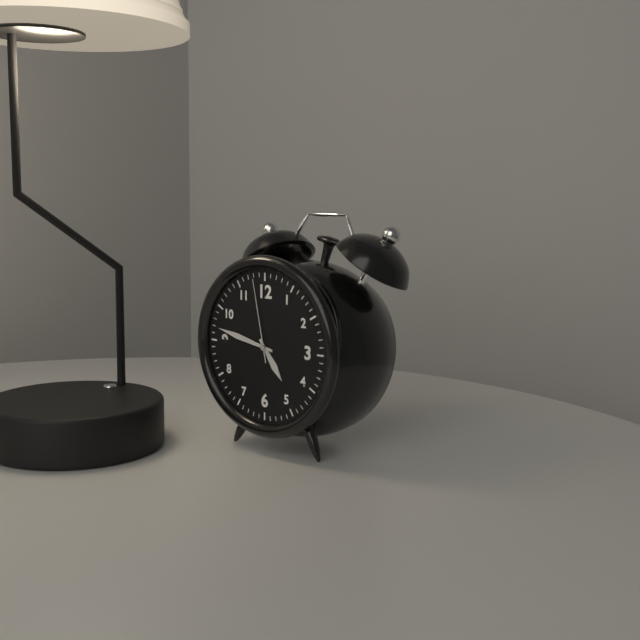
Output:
4 h 47 min 58 s
